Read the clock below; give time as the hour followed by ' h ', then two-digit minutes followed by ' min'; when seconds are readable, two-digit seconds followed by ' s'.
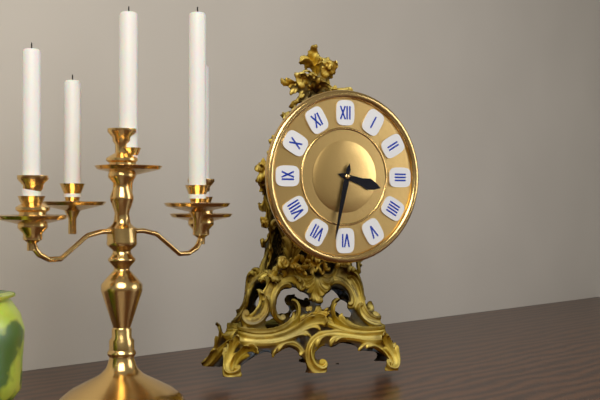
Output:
3 h 32 min
